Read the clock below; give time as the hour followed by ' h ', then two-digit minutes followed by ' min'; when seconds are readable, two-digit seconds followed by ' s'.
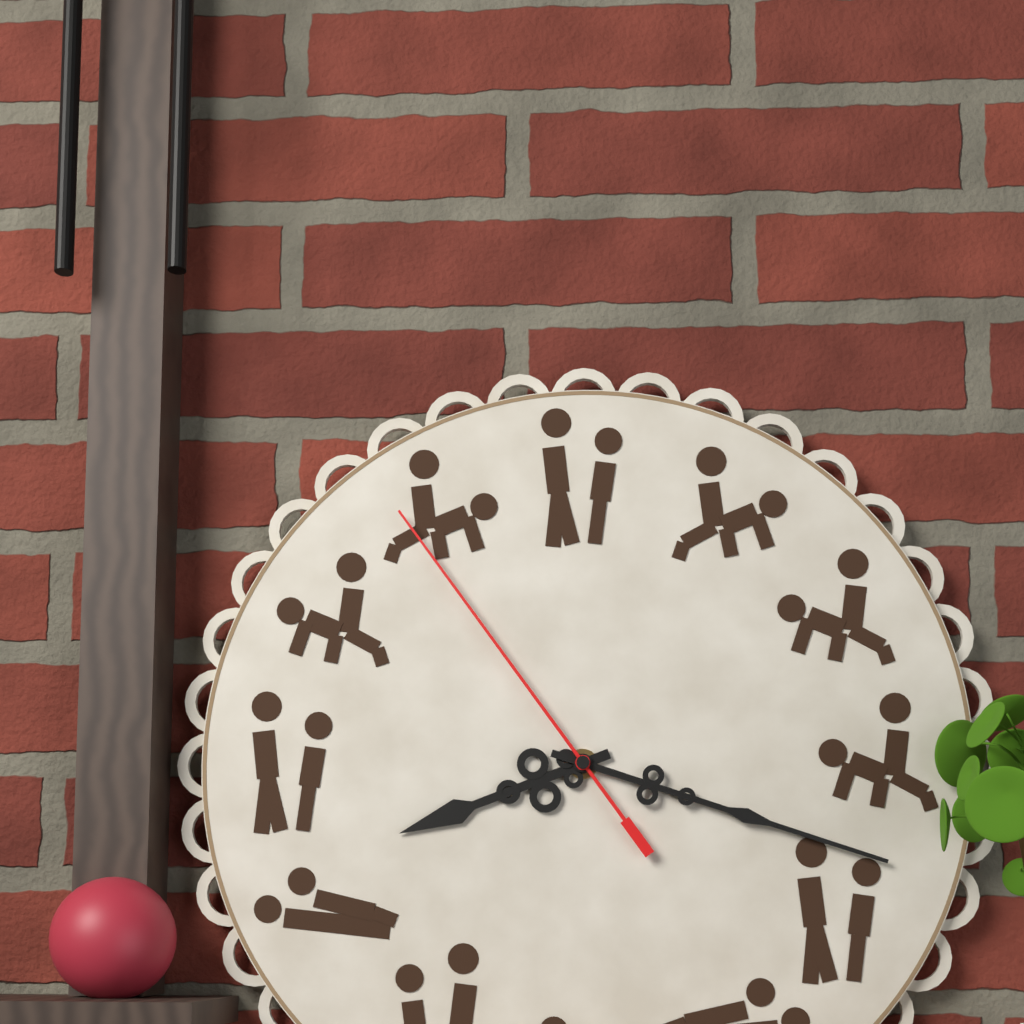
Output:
8 h 18 min 54 s
